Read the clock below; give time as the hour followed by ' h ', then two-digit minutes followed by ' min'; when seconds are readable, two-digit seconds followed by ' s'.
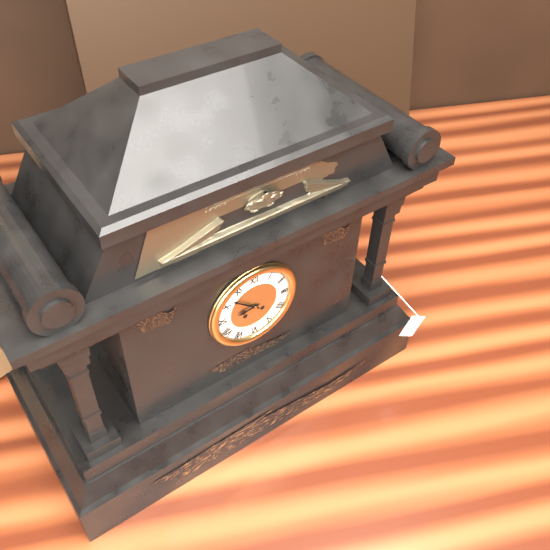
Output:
8 h 52 min
